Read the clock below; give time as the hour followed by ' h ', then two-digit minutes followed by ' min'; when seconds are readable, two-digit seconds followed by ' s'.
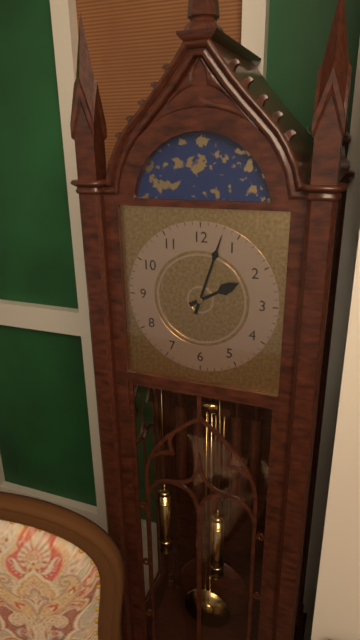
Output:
2 h 03 min
